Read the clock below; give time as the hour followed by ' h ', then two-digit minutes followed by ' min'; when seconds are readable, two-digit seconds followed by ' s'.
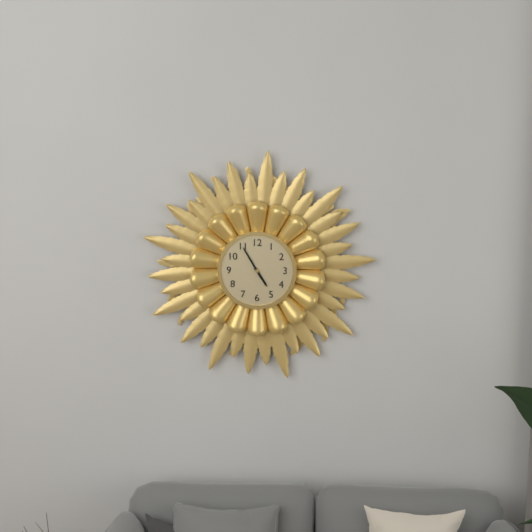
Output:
4 h 55 min
